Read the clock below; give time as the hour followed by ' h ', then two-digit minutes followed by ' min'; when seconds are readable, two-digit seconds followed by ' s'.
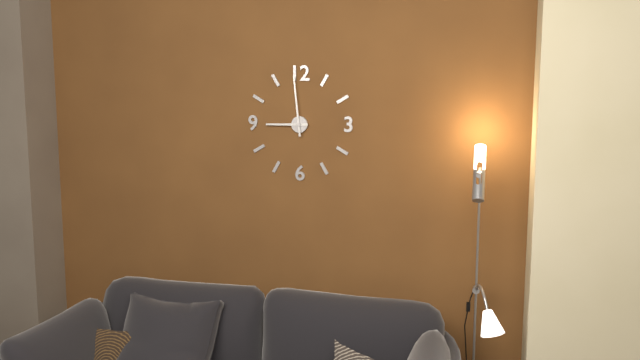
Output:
8 h 59 min
